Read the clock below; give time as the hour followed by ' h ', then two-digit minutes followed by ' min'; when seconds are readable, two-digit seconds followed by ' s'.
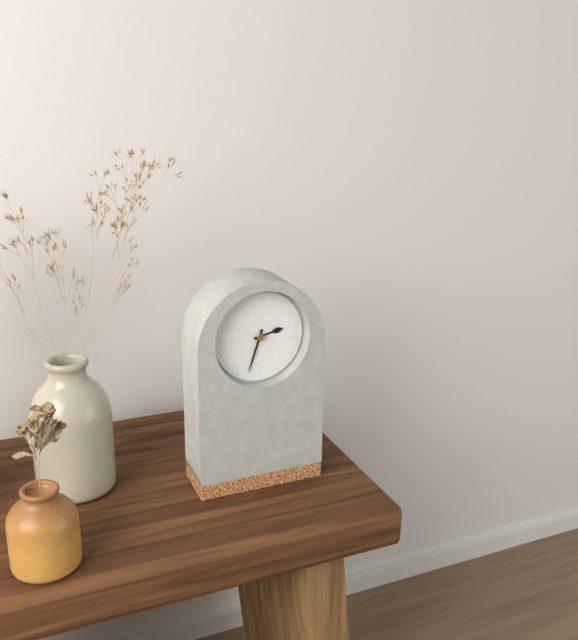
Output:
2 h 33 min
